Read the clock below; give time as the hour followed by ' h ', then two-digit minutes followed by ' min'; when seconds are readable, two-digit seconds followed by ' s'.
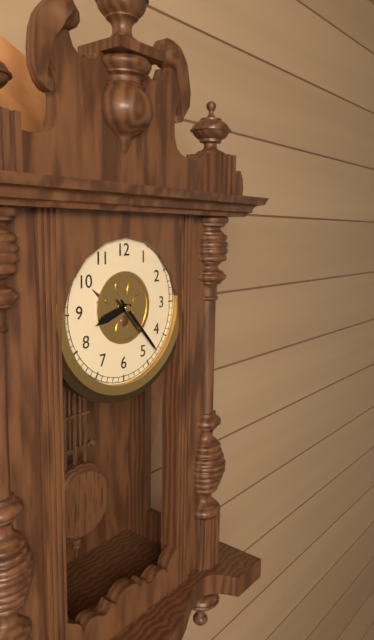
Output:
8 h 23 min
